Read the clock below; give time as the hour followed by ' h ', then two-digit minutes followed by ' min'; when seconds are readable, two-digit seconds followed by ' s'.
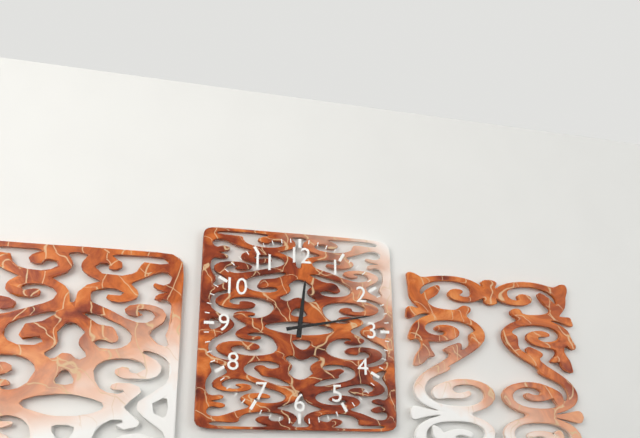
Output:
12 h 13 min
